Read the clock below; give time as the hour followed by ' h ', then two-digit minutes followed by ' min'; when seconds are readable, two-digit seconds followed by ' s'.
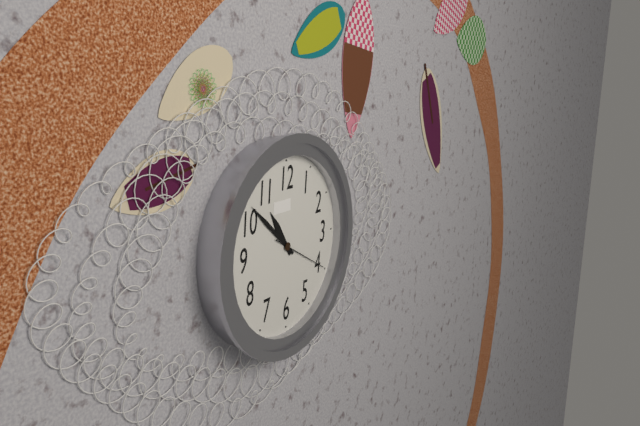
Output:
10 h 52 min 20 s
